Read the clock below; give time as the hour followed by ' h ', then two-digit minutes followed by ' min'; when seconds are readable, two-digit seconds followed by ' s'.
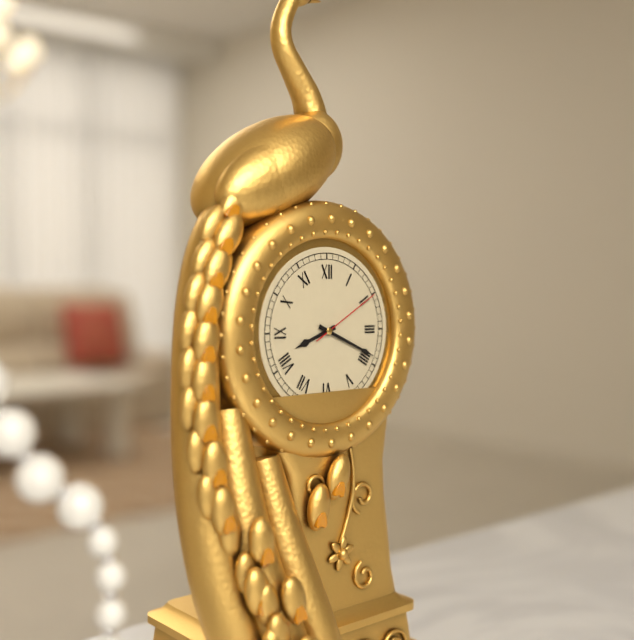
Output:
8 h 19 min 10 s
